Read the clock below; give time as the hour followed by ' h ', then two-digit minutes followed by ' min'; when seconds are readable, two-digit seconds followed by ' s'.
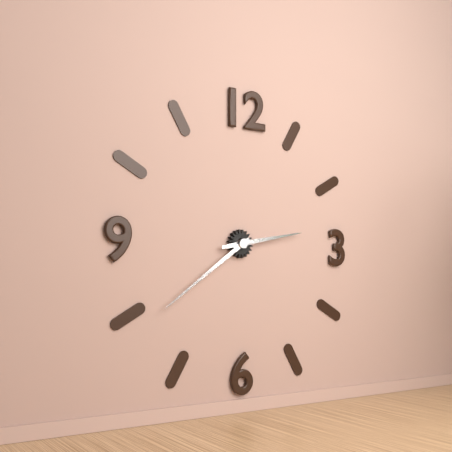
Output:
2 h 39 min
